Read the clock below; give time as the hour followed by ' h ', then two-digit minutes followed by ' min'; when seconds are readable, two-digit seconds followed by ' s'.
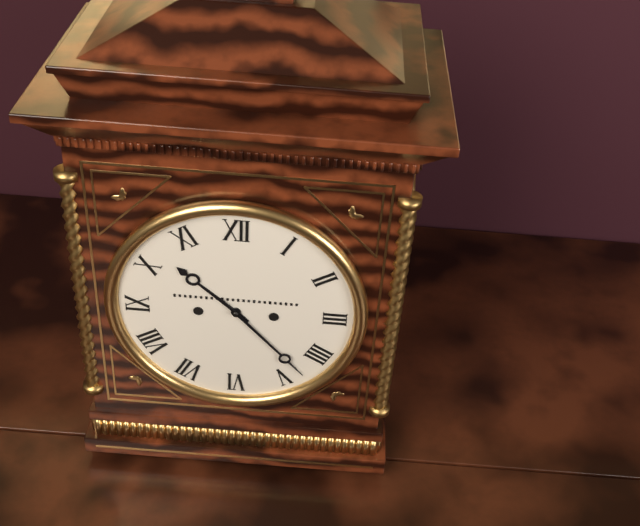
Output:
10 h 23 min
